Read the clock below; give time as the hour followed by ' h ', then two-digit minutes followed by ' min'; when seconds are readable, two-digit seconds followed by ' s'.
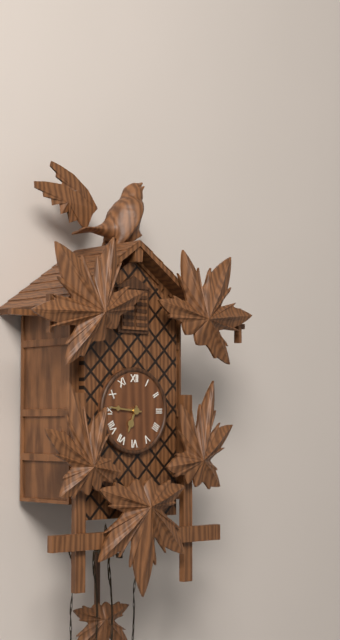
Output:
6 h 46 min
